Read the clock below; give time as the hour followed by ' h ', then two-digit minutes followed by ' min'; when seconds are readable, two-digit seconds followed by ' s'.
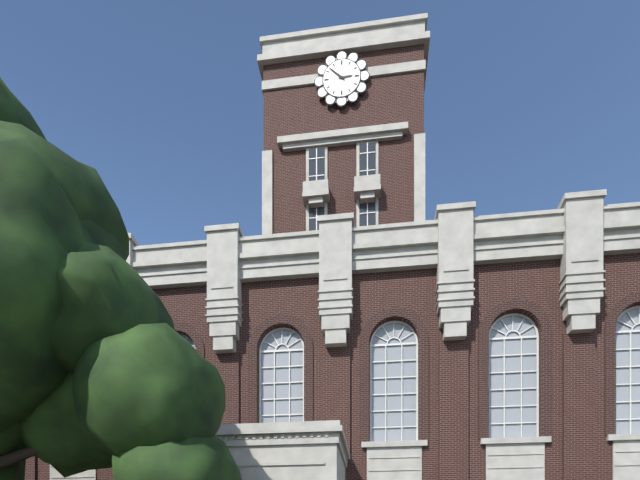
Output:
2 h 52 min
